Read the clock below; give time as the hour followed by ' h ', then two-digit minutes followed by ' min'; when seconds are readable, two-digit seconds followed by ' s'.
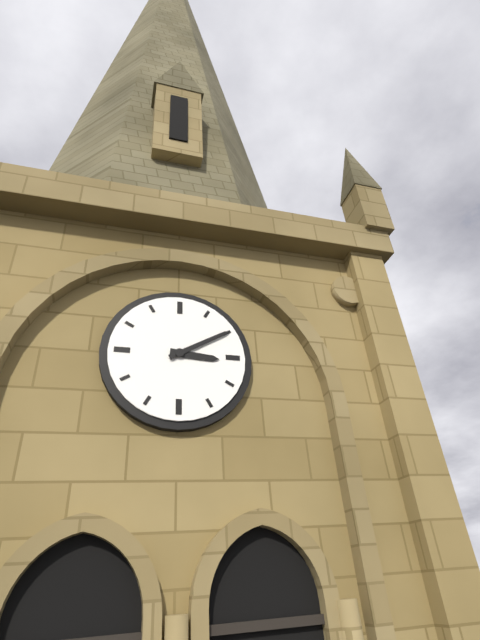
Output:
3 h 10 min
